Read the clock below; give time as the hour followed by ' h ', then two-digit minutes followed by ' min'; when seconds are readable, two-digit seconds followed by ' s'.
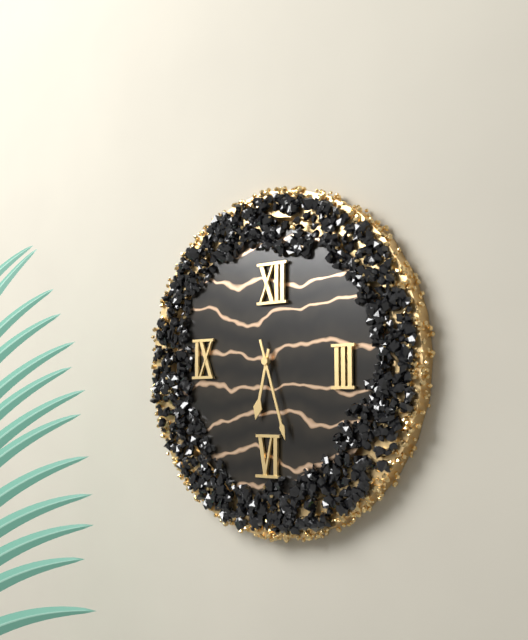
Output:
6 h 27 min
